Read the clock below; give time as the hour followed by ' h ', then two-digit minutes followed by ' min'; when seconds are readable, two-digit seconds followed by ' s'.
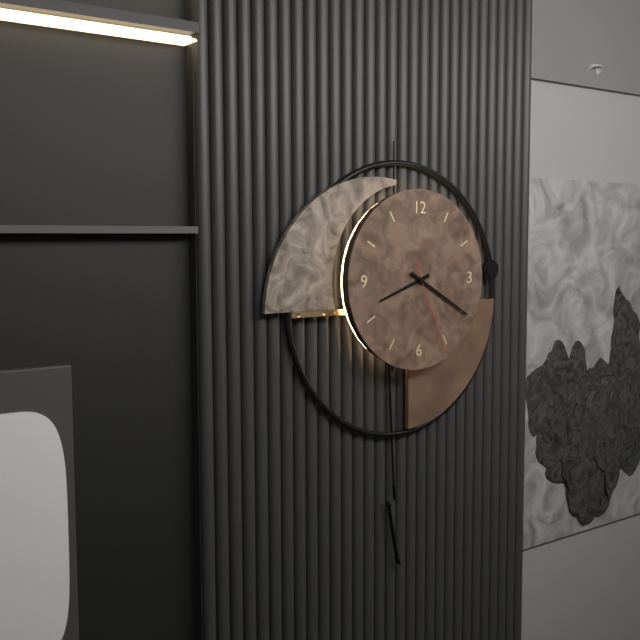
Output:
8 h 20 min 26 s
